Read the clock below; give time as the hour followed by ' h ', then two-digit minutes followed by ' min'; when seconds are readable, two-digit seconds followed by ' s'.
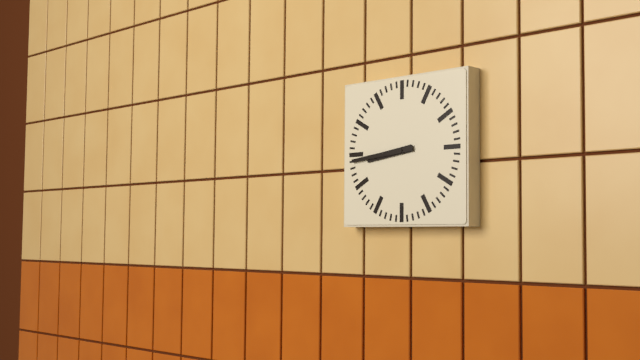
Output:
8 h 44 min
